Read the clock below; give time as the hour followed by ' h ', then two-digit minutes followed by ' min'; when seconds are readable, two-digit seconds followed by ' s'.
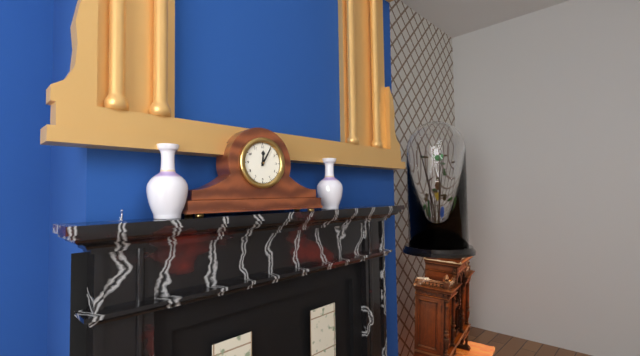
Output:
12 h 05 min
